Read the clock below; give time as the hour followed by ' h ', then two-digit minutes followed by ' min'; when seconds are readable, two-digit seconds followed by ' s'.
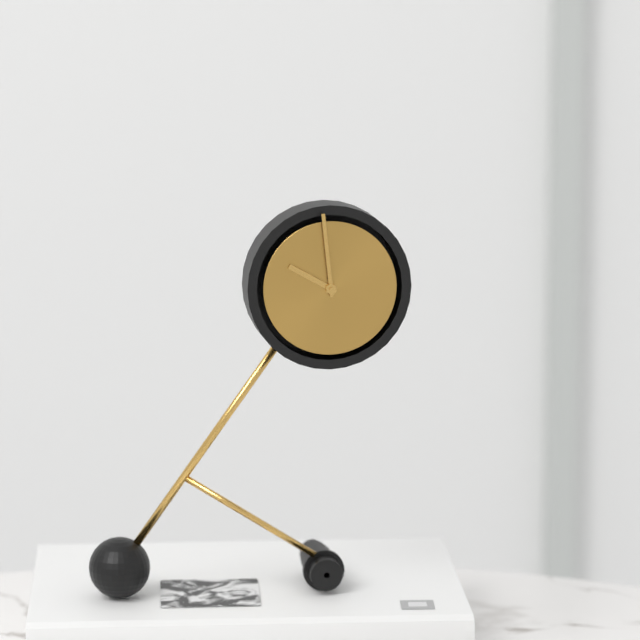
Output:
9 h 59 min
